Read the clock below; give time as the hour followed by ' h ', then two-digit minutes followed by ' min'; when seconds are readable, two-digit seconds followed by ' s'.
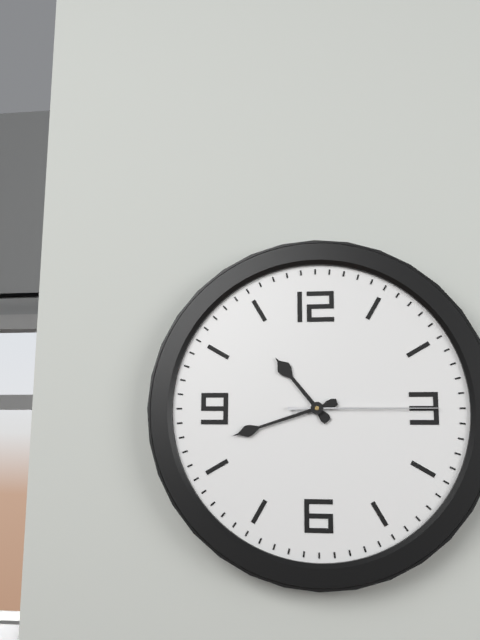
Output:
10 h 42 min 15 s
